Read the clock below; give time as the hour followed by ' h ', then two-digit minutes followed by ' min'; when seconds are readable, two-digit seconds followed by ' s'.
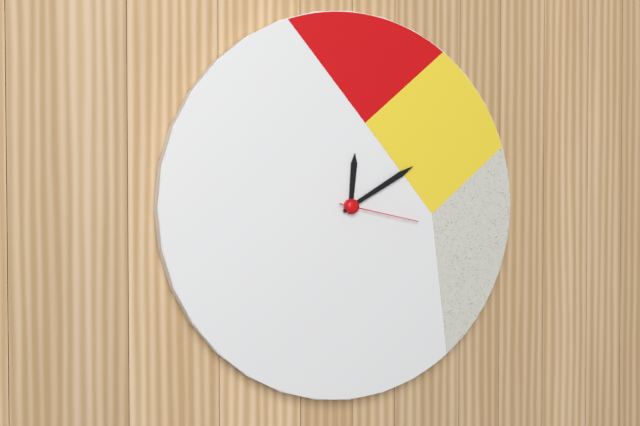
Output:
12 h 10 min 17 s
